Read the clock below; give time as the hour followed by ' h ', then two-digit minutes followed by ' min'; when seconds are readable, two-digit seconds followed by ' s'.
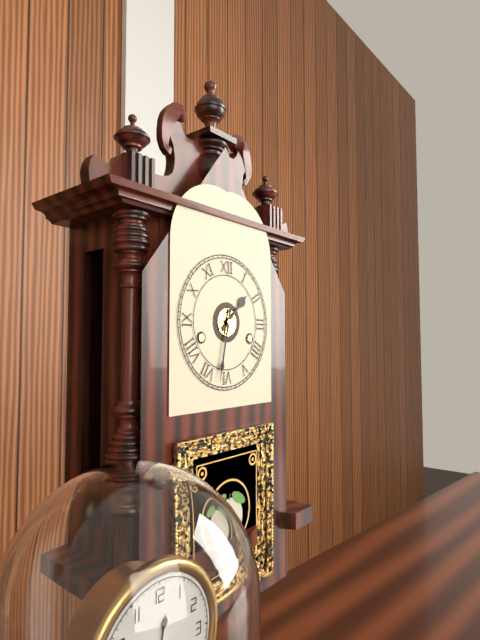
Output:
1 h 32 min
